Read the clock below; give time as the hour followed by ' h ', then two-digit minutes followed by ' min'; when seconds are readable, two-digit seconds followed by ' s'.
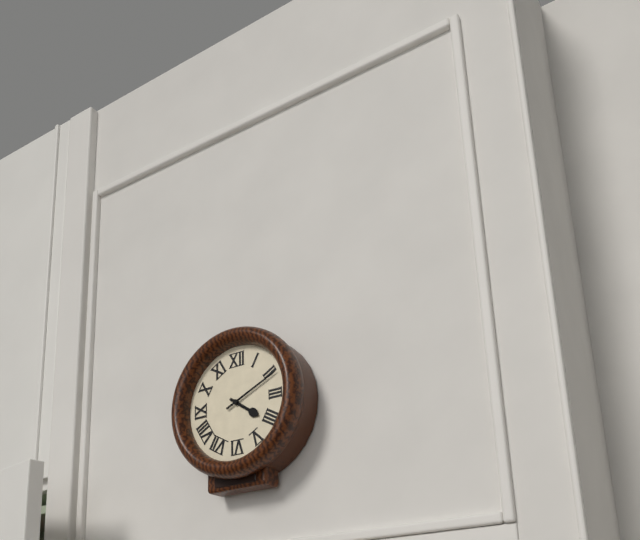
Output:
4 h 11 min
